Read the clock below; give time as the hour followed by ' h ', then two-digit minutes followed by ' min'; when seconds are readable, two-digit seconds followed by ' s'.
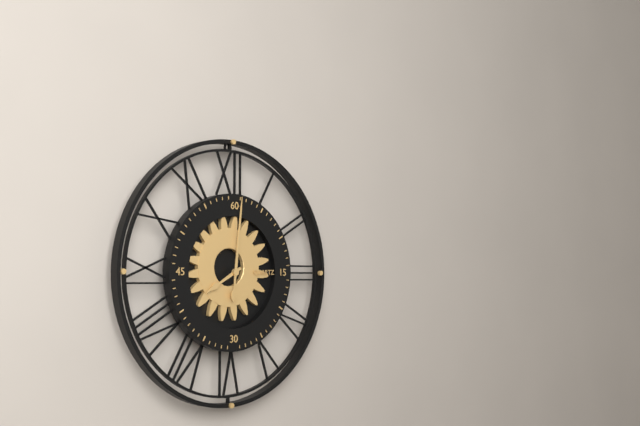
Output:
8 h 01 min
